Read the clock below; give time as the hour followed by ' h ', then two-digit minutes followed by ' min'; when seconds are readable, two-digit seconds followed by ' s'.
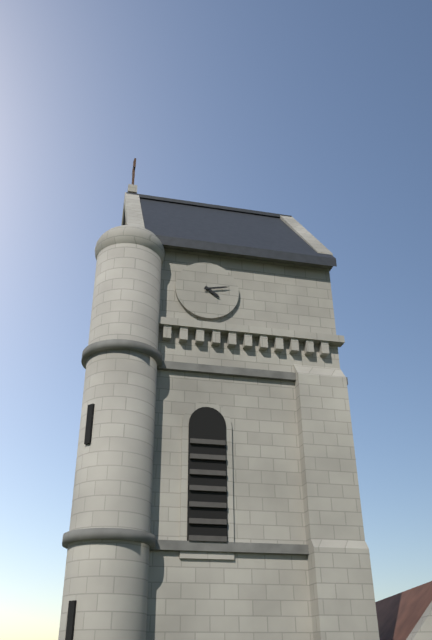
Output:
4 h 13 min
